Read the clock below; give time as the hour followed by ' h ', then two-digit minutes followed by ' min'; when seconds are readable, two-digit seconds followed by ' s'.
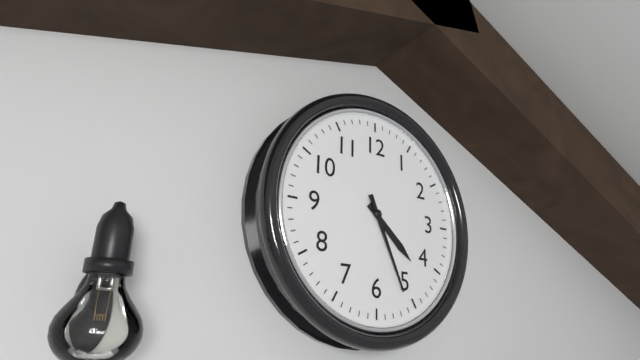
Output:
4 h 26 min
